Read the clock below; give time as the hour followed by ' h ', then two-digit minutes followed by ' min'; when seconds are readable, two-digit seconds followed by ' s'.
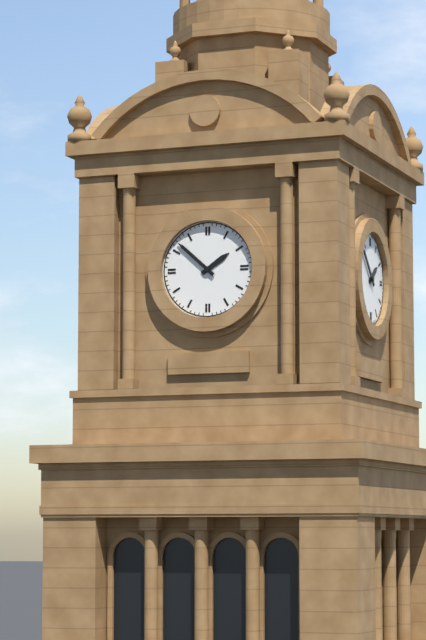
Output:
1 h 52 min
